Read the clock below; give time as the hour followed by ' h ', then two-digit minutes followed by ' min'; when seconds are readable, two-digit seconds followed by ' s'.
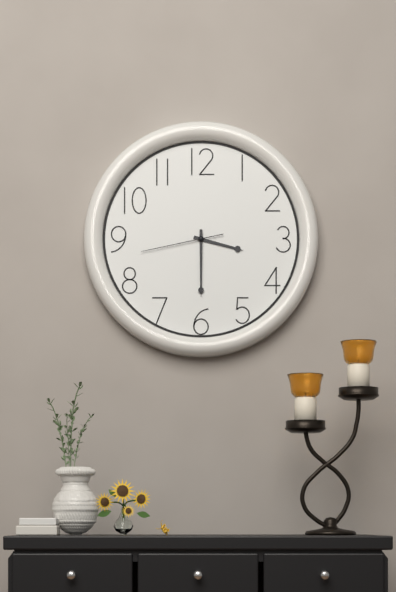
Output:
3 h 30 min 43 s
